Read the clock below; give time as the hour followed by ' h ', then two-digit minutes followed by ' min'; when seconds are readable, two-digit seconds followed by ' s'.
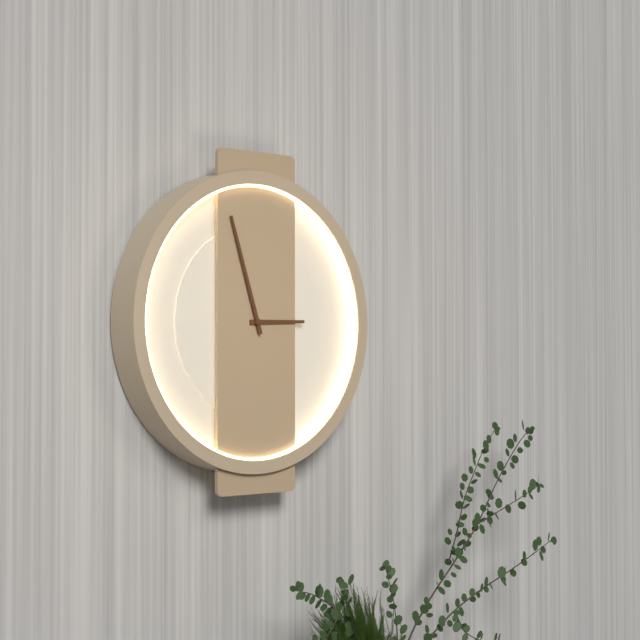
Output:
2 h 57 min
